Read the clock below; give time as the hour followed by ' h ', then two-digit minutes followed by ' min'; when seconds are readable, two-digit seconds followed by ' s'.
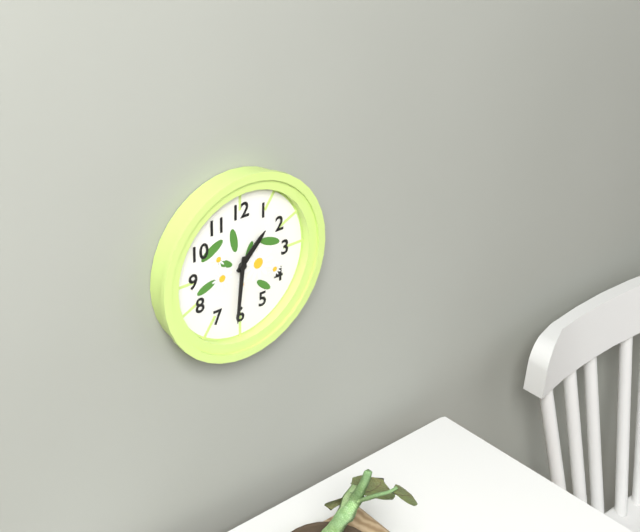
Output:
1 h 31 min
